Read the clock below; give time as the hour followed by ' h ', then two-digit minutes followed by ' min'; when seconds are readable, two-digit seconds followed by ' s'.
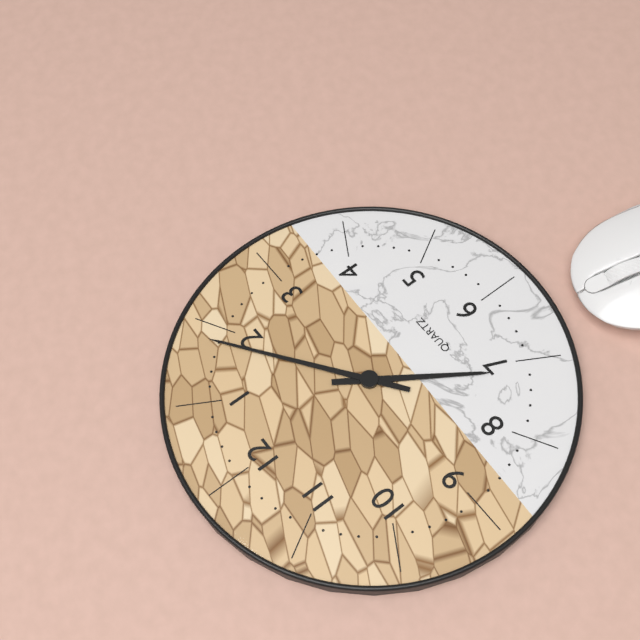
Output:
7 h 09 min
